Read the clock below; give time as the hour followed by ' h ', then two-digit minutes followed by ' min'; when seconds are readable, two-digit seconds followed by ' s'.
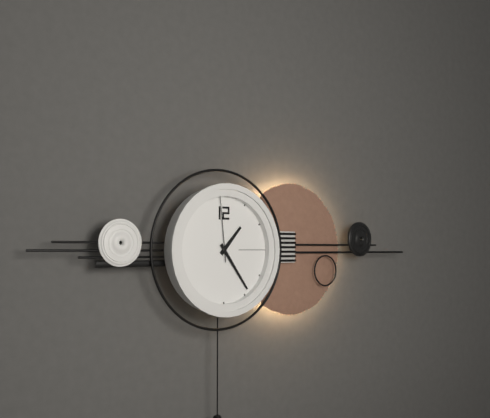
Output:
1 h 24 min 59 s
